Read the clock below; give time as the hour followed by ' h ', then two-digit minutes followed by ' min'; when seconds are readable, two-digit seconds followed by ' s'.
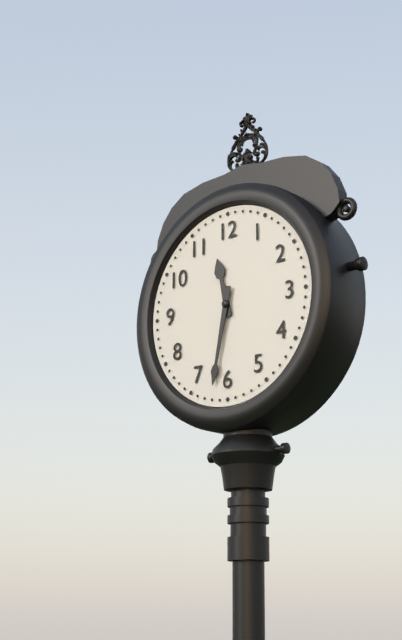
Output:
11 h 32 min
